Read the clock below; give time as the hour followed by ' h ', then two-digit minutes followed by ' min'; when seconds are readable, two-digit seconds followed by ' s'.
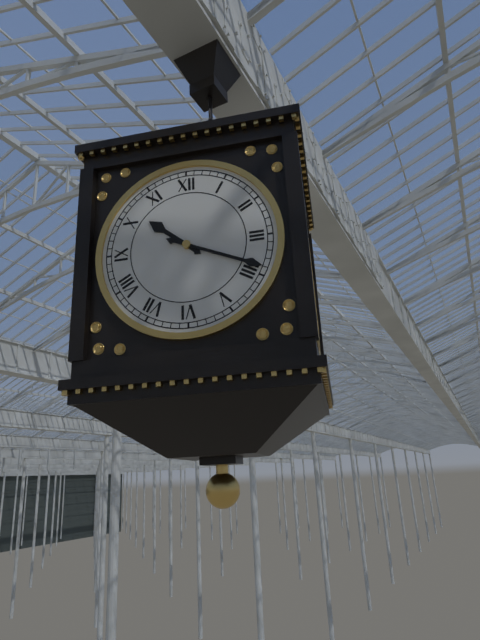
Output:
10 h 19 min
